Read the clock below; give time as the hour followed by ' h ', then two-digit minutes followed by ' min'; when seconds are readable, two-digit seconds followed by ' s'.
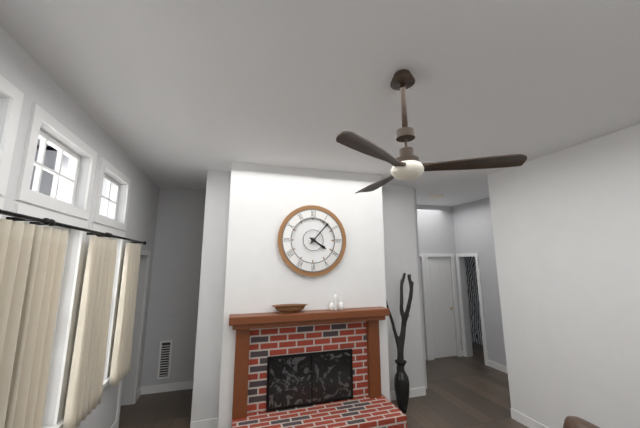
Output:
4 h 07 min
